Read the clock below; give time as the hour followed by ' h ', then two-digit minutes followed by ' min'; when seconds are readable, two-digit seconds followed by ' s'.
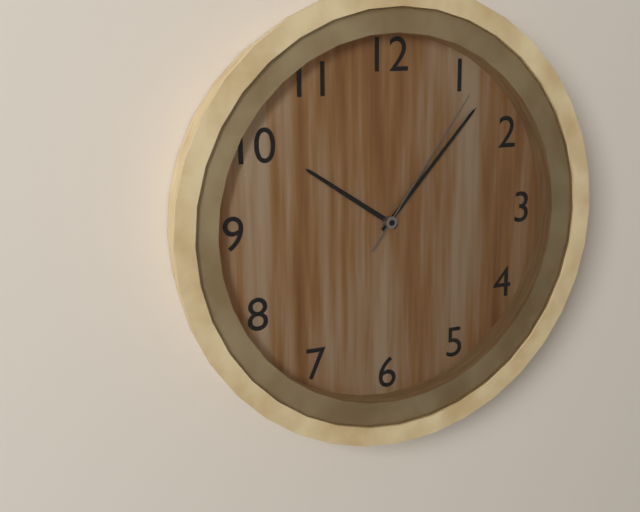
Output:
10 h 07 min 06 s
